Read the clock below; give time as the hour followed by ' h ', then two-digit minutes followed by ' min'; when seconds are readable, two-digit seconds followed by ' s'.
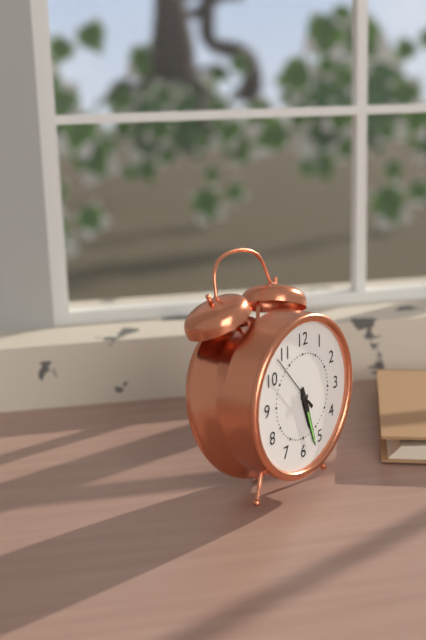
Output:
5 h 27 min 53 s
